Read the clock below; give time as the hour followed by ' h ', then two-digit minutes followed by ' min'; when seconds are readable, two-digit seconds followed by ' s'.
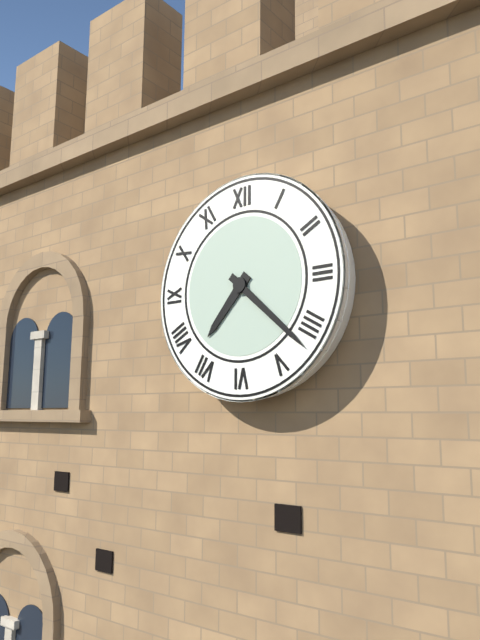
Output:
7 h 22 min
